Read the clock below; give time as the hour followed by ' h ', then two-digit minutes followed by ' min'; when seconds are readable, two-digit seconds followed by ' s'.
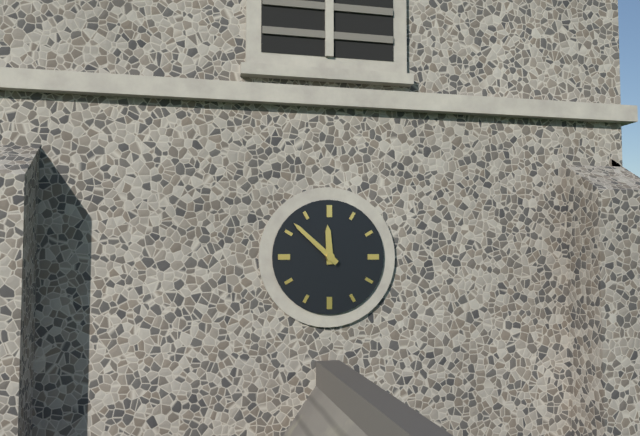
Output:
11 h 52 min
